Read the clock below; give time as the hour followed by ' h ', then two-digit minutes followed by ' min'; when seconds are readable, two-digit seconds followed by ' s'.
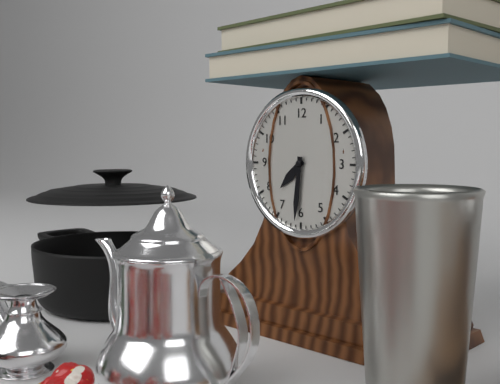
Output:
7 h 31 min
